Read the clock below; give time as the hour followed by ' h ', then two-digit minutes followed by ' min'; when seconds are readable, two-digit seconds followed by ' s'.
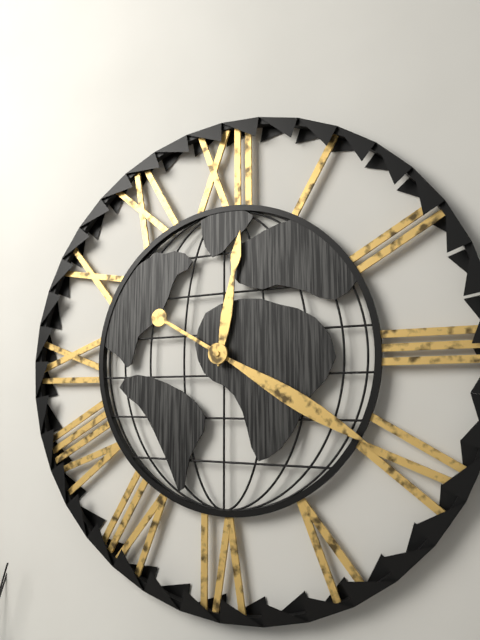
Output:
12 h 20 min
